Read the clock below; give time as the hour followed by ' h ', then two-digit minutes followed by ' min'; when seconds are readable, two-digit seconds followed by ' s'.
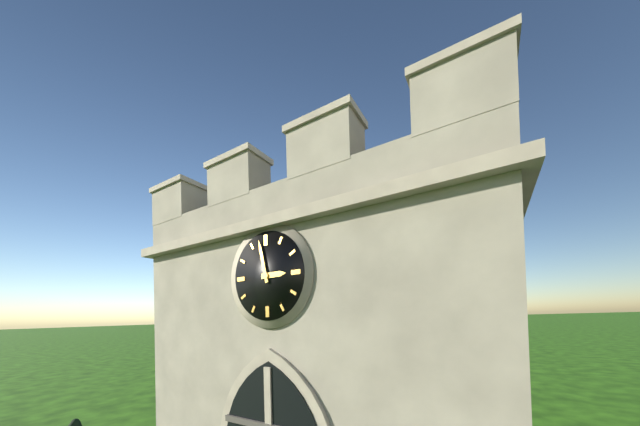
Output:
2 h 58 min
